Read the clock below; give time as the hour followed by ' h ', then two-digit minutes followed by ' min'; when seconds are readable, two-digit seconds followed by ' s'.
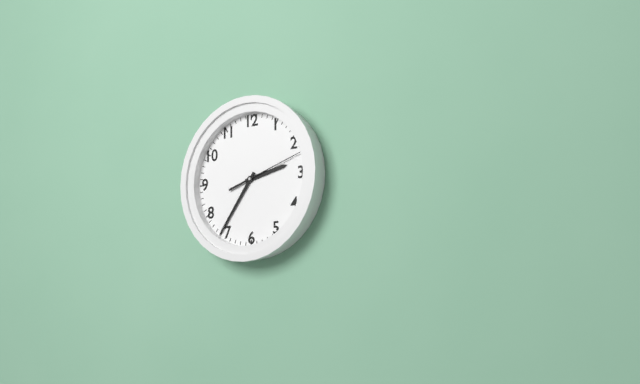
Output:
2 h 36 min 12 s
